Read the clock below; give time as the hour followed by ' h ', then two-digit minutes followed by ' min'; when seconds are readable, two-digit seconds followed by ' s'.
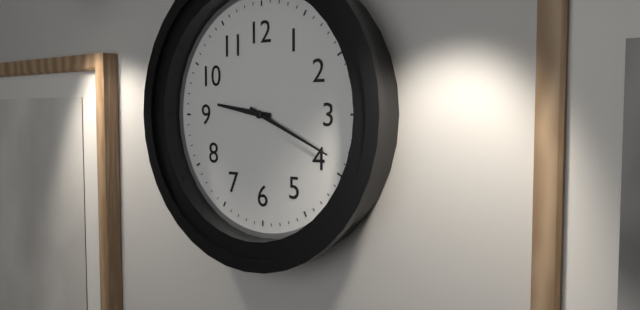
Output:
9 h 19 min
